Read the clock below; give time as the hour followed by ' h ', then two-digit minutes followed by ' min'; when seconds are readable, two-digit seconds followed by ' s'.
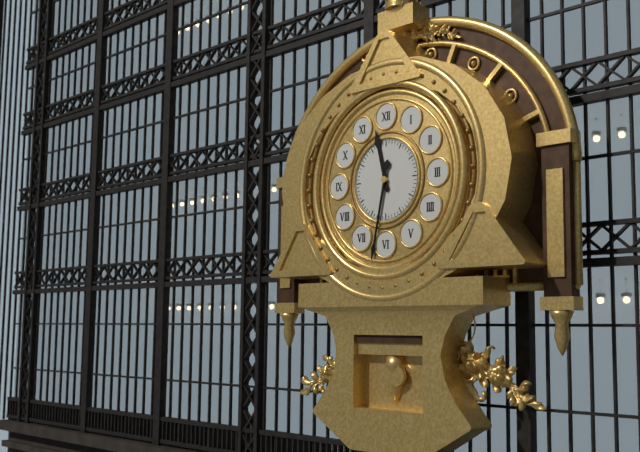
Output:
11 h 32 min
